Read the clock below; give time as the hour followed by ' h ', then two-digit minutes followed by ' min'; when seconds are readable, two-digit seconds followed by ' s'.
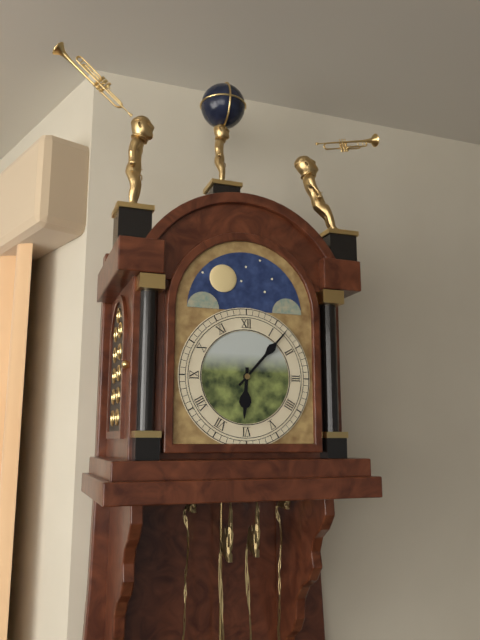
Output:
6 h 07 min
